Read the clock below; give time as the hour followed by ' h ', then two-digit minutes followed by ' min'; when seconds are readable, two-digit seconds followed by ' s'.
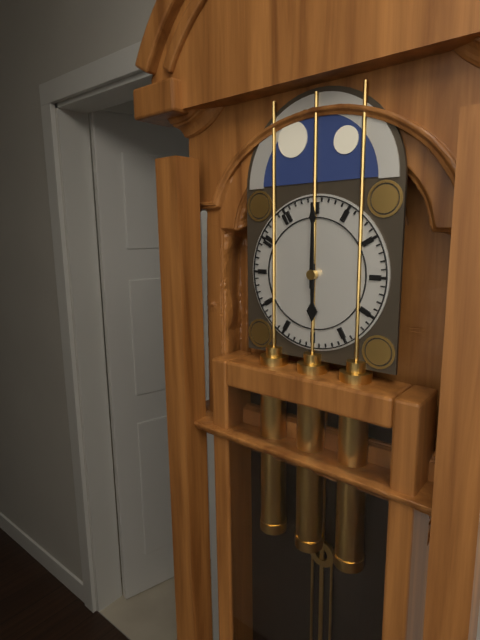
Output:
6 h 00 min
